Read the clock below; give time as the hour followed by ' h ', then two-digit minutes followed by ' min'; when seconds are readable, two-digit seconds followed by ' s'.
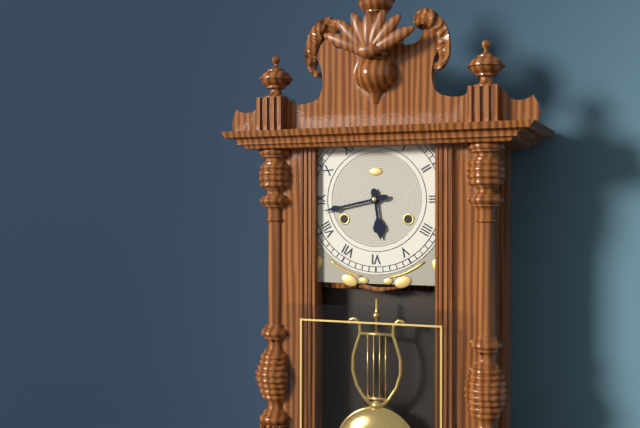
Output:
5 h 43 min
